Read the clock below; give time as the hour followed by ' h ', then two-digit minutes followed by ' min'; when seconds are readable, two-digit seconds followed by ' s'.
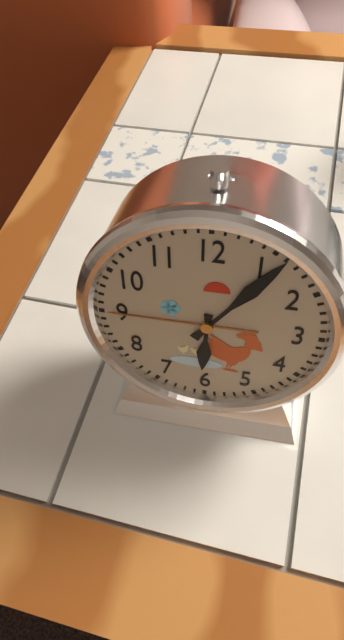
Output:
6 h 06 min
